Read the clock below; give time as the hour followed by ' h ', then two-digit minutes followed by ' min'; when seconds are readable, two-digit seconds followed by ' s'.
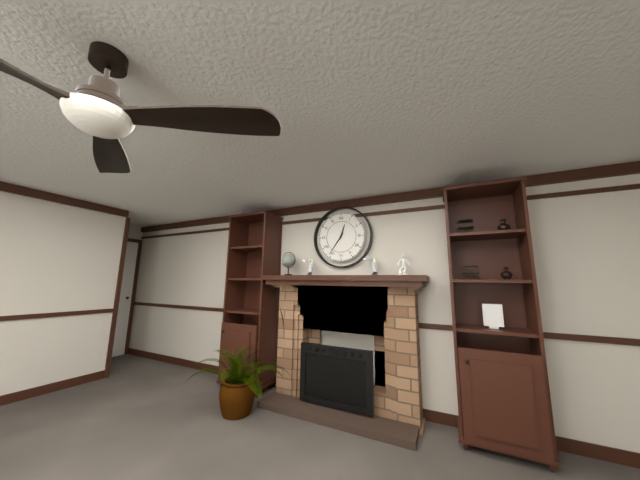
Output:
12 h 36 min
